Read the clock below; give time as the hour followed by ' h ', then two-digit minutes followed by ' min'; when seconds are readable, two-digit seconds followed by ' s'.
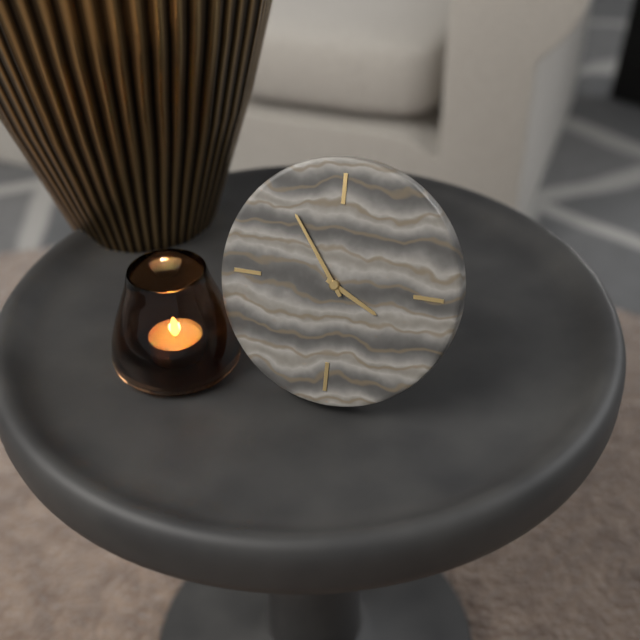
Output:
3 h 54 min
